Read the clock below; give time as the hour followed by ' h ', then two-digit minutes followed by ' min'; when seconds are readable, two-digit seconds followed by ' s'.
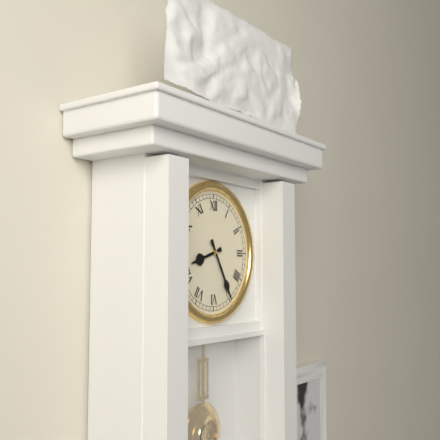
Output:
8 h 25 min
